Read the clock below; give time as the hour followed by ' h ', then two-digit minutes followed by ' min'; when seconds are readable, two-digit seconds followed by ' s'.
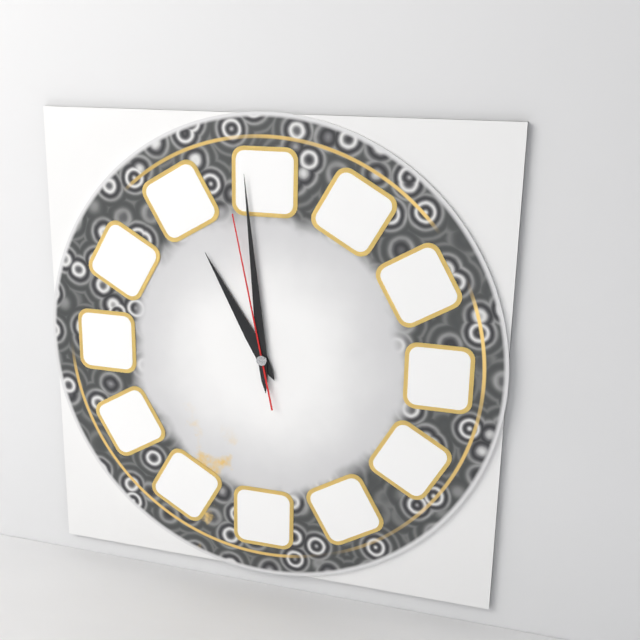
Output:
10 h 59 min 58 s
